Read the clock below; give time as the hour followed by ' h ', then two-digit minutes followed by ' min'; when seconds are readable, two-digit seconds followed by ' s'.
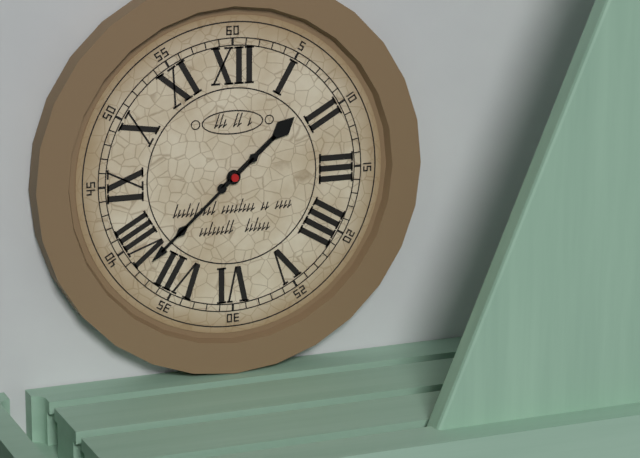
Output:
1 h 38 min
